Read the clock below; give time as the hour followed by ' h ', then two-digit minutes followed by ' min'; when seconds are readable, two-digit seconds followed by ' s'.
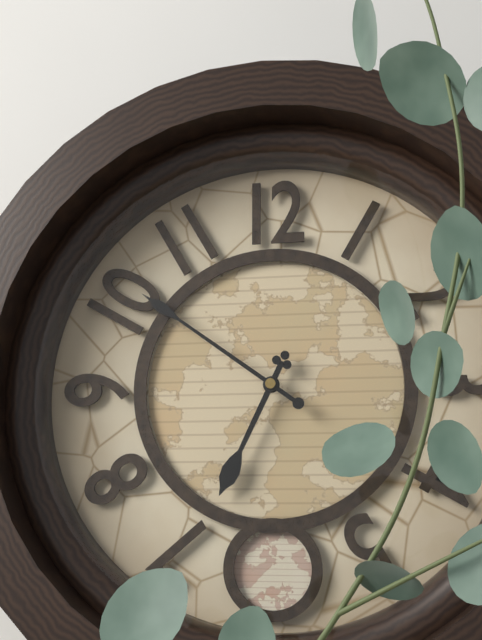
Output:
6 h 51 min
